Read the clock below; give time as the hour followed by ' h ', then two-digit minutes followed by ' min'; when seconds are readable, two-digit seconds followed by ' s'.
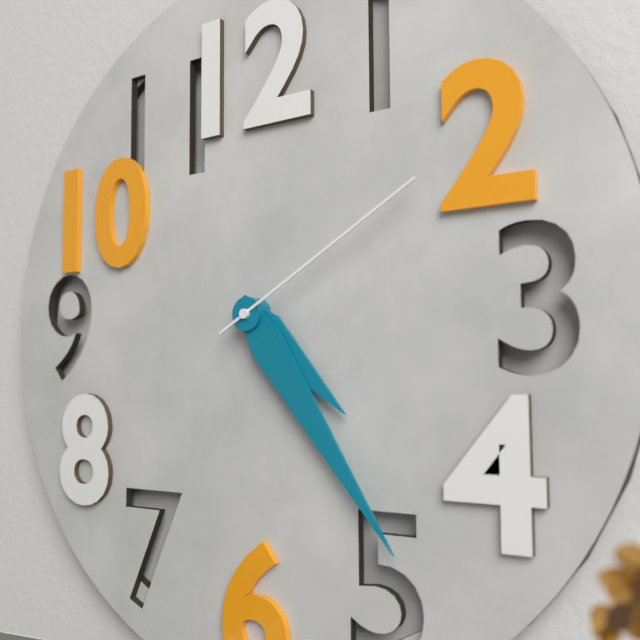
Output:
4 h 24 min 10 s
